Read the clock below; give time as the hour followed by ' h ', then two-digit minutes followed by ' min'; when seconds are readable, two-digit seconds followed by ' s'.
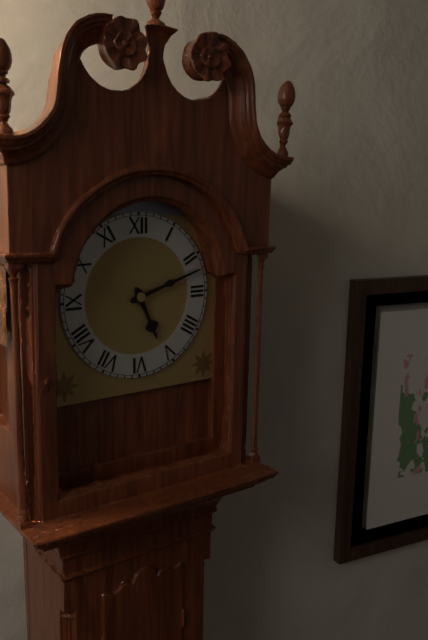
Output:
5 h 12 min
